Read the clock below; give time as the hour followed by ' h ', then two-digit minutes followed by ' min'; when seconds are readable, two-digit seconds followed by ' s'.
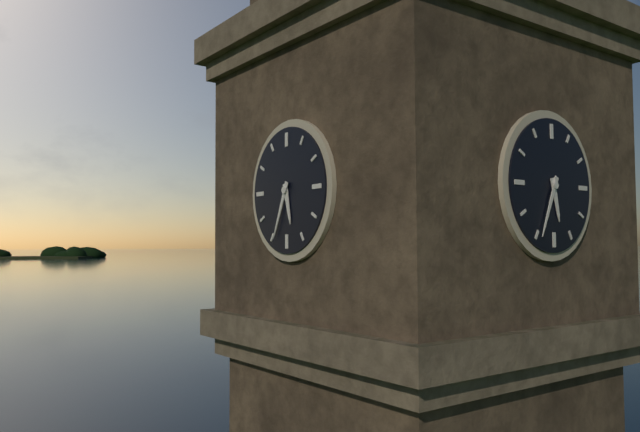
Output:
5 h 34 min
